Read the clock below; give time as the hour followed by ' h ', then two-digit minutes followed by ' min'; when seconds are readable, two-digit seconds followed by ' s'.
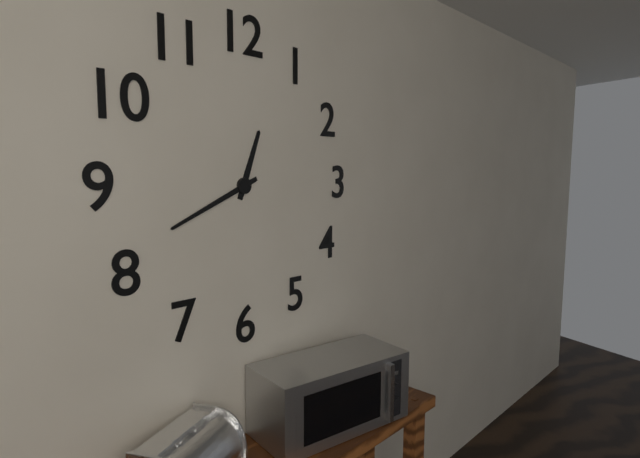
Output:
12 h 41 min
